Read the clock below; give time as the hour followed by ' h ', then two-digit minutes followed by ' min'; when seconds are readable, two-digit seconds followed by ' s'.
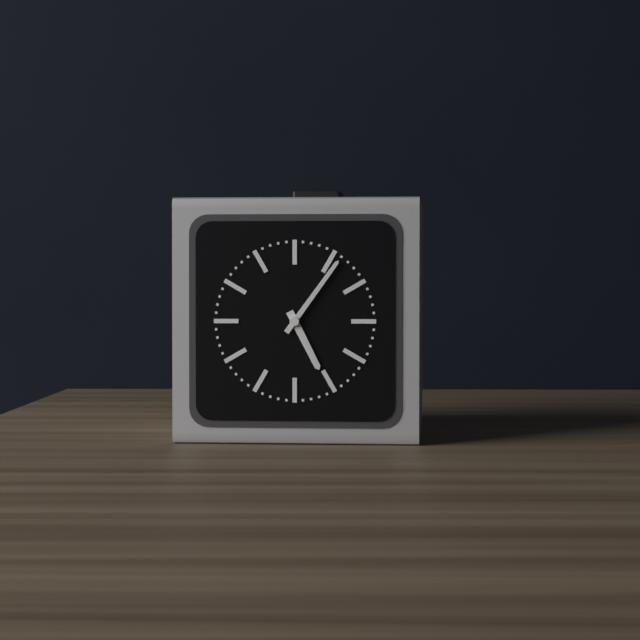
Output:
5 h 06 min
